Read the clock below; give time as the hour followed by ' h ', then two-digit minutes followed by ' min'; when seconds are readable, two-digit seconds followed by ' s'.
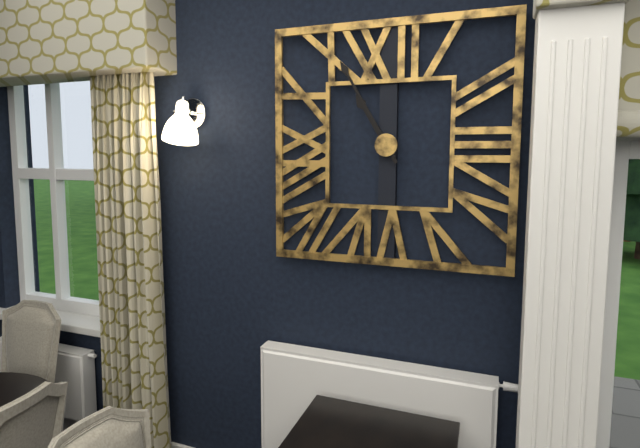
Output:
10 h 55 min
